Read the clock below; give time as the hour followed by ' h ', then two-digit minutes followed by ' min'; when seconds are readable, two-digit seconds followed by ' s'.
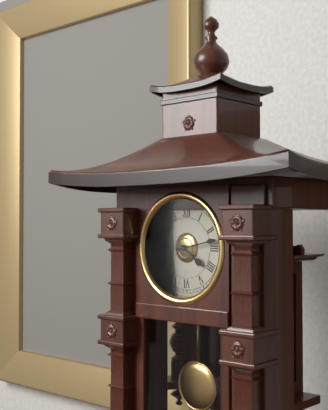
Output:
4 h 13 min
